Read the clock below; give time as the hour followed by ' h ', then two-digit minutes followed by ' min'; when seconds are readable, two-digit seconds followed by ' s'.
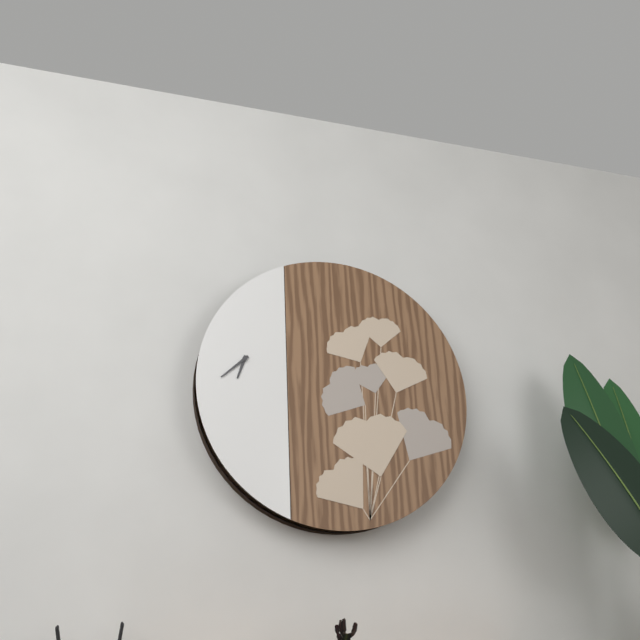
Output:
6 h 38 min
